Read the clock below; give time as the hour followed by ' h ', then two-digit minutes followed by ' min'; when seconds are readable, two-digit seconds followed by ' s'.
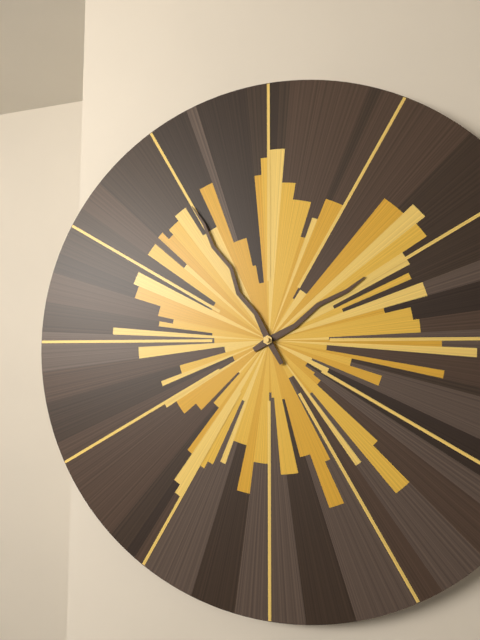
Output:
1 h 55 min
